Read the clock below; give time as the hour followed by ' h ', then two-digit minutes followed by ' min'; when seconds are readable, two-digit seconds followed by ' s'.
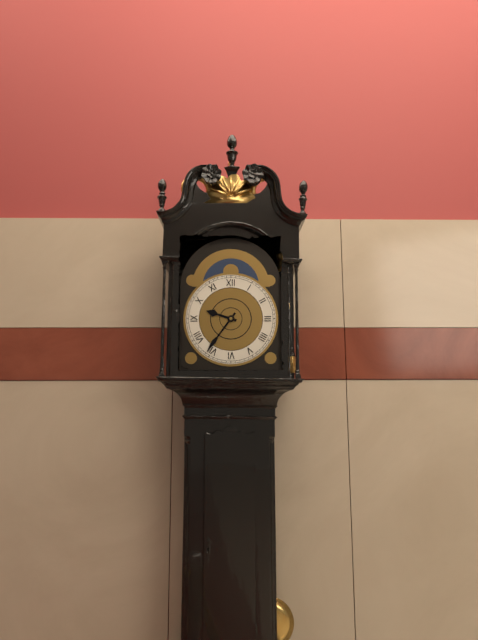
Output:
9 h 36 min
